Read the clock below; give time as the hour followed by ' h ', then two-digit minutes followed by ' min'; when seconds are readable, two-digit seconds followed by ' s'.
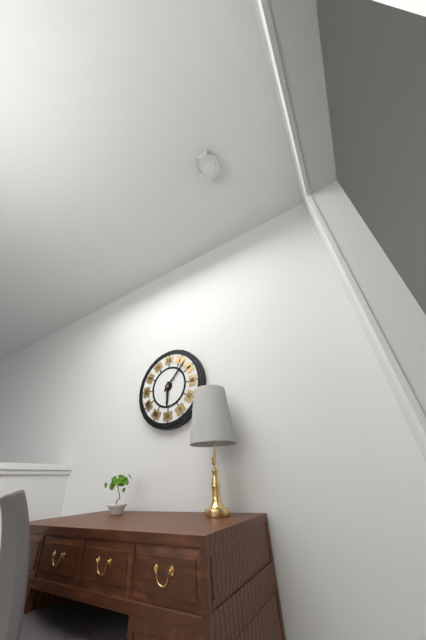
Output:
6 h 07 min
